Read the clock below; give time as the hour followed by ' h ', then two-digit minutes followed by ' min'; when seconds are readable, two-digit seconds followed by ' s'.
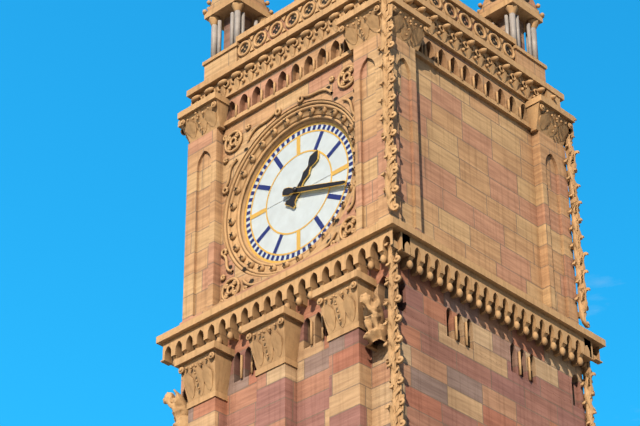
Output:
1 h 18 min
